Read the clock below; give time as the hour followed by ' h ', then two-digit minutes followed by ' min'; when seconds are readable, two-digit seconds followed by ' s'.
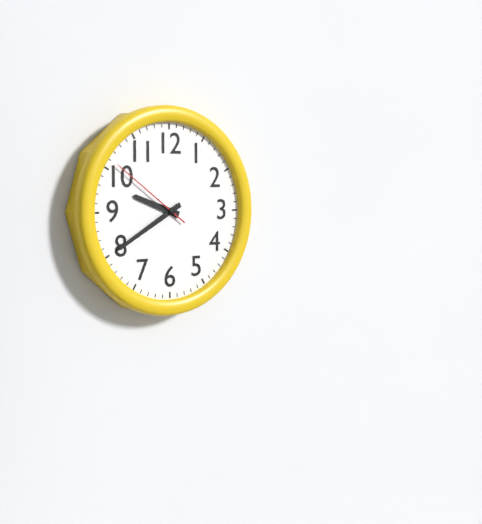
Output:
9 h 40 min 51 s
